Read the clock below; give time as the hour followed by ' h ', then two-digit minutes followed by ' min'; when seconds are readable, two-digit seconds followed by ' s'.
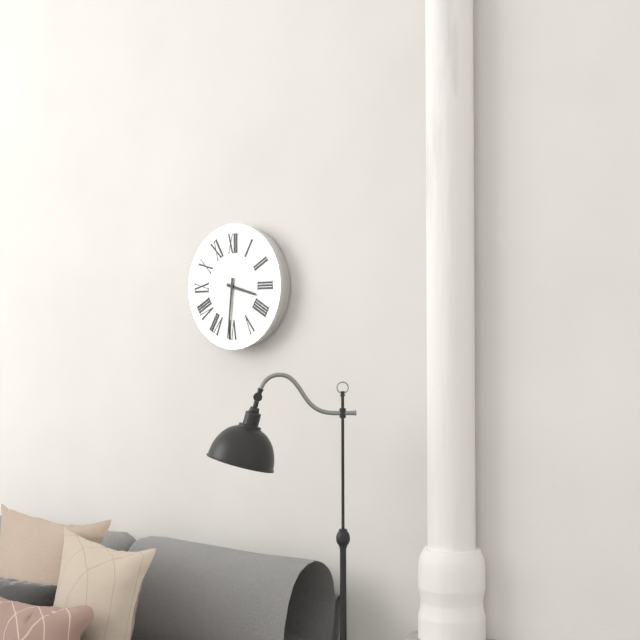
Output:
3 h 31 min
